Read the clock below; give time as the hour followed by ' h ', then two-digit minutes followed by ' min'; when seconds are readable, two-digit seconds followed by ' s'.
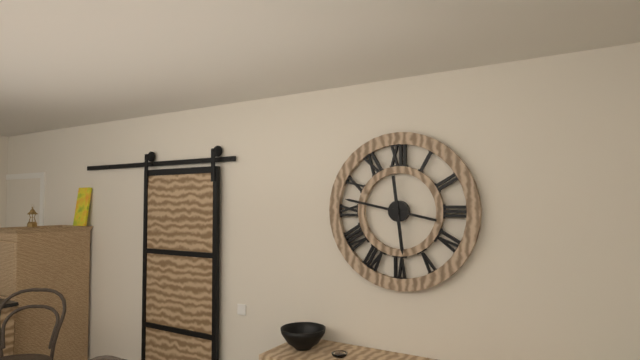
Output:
5 h 47 min
